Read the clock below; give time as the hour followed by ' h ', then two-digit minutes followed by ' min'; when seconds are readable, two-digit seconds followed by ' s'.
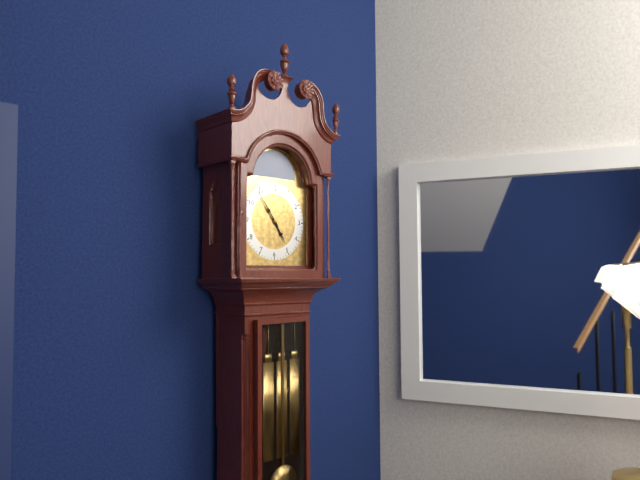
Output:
4 h 54 min
